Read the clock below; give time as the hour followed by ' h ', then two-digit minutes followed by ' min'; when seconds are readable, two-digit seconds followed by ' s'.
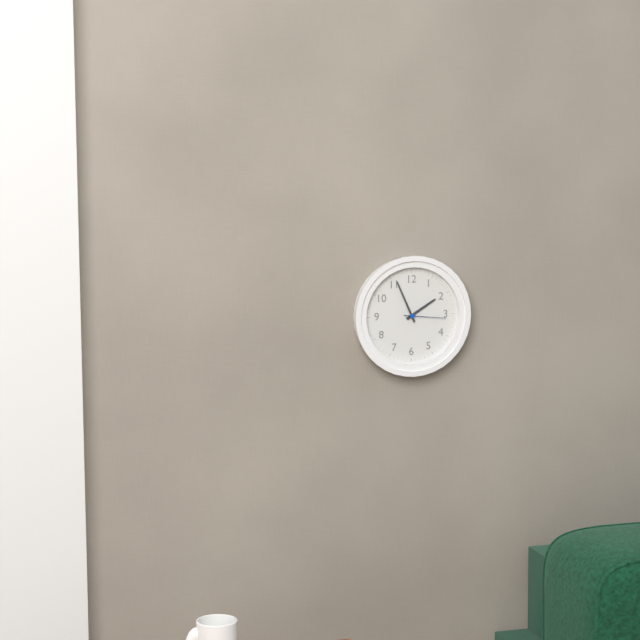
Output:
1 h 56 min
